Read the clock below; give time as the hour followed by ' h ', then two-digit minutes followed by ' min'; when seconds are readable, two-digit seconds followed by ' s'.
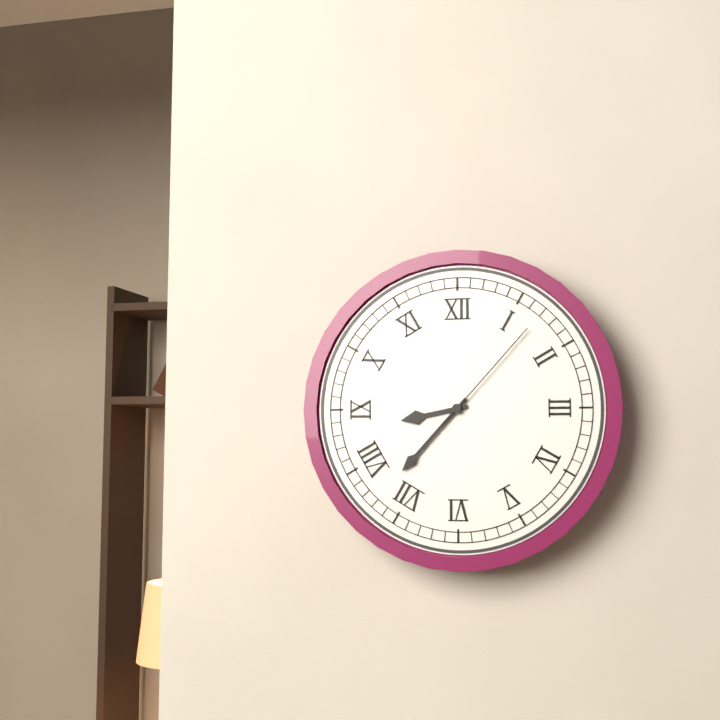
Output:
8 h 37 min 07 s
